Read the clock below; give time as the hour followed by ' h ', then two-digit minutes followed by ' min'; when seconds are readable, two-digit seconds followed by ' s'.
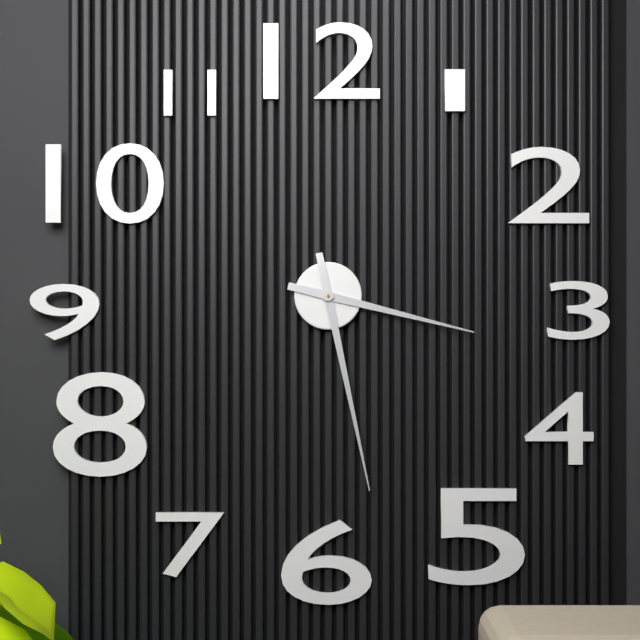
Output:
3 h 28 min
